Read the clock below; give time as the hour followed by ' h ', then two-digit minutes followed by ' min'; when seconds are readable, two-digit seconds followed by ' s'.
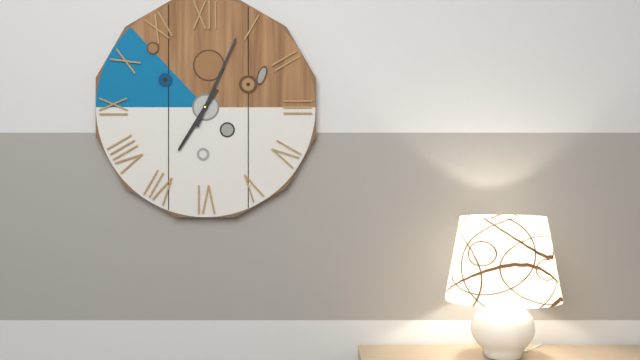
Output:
7 h 04 min
